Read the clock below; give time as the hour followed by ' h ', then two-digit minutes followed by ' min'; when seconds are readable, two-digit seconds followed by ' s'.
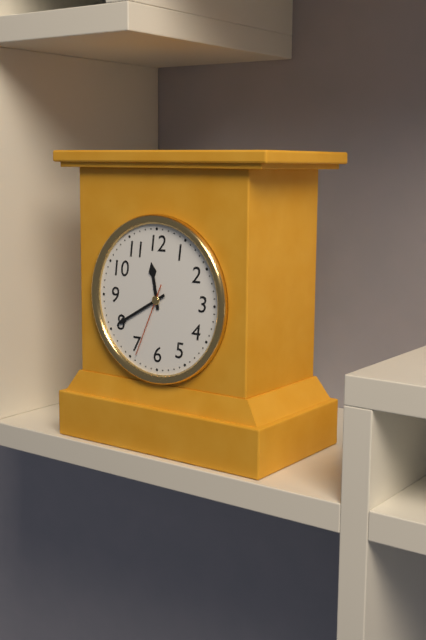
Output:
11 h 40 min 34 s
